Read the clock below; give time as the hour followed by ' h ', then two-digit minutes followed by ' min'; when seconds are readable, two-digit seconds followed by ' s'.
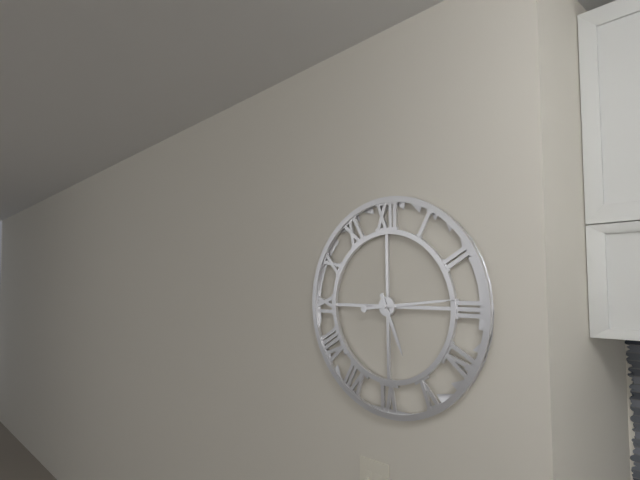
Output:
5 h 14 min
